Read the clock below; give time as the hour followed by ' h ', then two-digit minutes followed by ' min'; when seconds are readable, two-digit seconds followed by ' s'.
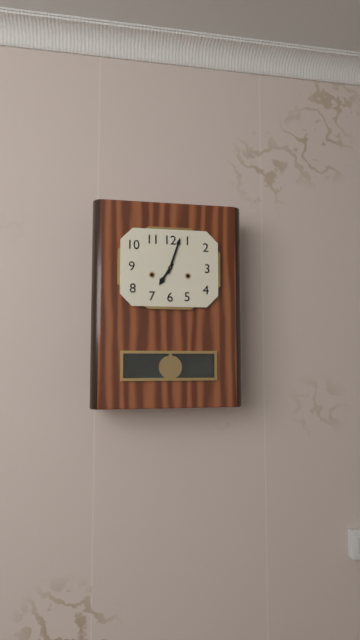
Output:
7 h 03 min
